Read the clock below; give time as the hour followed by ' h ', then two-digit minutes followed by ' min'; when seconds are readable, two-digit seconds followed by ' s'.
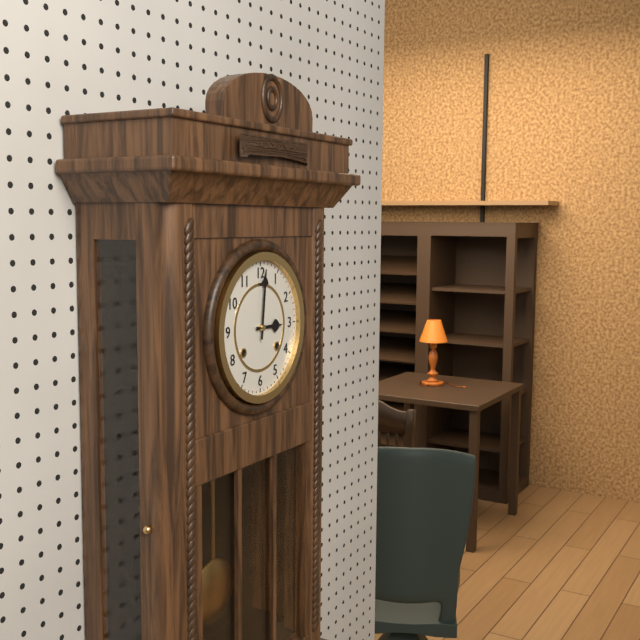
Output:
3 h 01 min
